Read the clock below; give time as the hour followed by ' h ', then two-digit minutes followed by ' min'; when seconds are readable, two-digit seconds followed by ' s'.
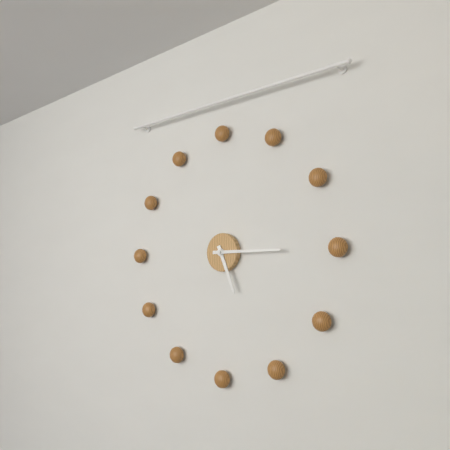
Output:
5 h 15 min
